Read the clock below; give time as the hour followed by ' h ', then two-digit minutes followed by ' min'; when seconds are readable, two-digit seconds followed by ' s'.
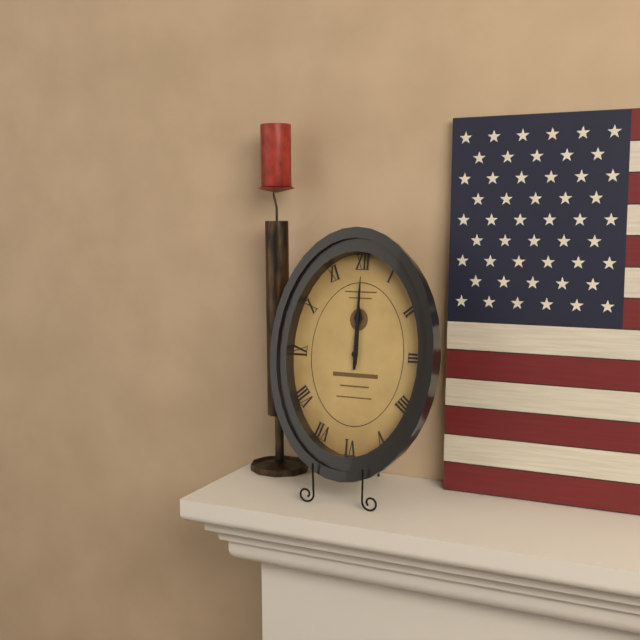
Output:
12 h 00 min
